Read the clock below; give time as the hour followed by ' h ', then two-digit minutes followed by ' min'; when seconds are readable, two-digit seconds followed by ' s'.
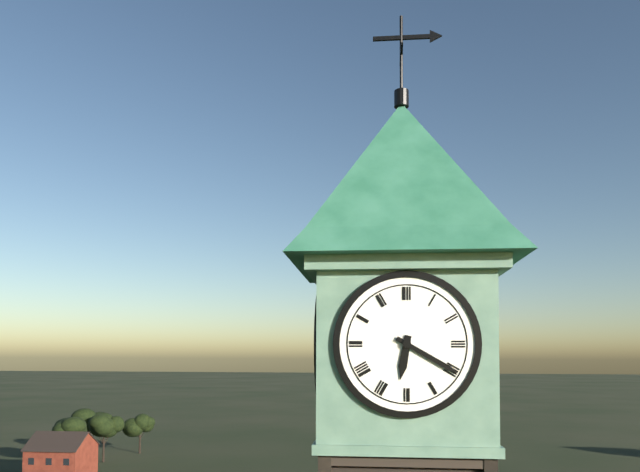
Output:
6 h 20 min
